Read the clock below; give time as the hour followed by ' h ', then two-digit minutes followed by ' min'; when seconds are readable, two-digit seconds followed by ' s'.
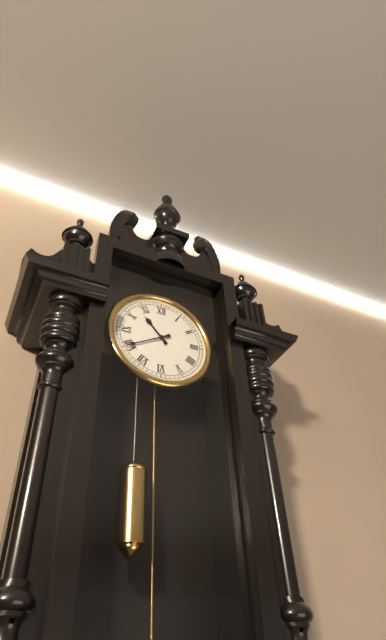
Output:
10 h 40 min
